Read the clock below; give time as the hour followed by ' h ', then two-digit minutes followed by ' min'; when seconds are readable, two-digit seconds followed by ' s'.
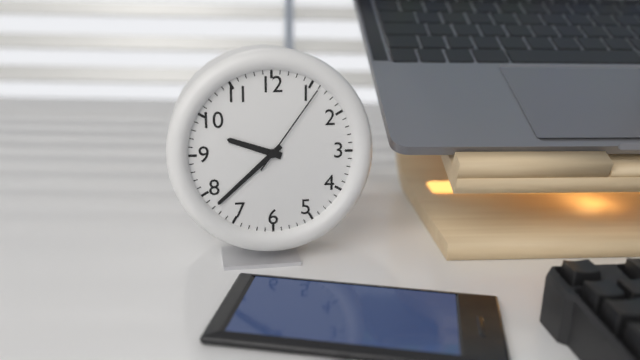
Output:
9 h 38 min 06 s
